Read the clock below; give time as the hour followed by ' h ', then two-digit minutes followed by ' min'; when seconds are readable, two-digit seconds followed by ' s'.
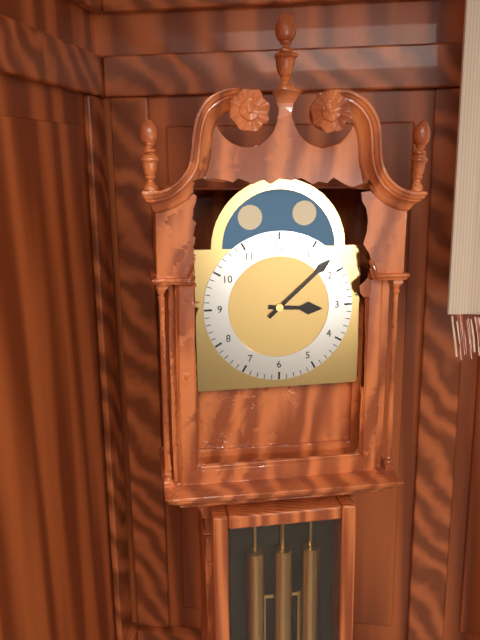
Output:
3 h 08 min
